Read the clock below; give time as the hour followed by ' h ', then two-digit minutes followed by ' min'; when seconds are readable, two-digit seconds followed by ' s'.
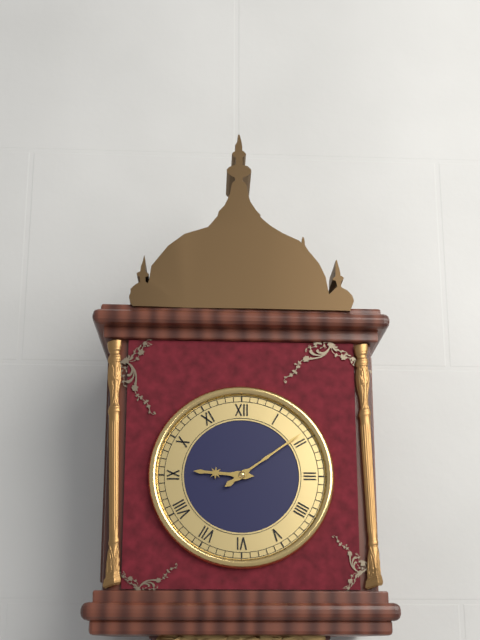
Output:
9 h 09 min
